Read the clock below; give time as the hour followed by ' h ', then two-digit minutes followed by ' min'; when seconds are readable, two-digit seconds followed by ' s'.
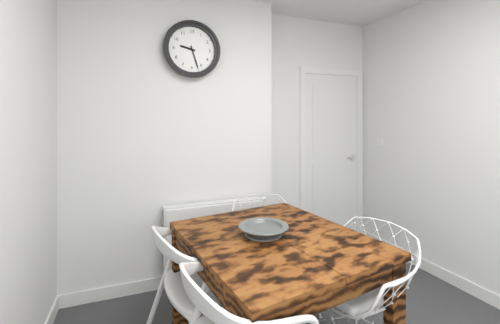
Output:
9 h 27 min
